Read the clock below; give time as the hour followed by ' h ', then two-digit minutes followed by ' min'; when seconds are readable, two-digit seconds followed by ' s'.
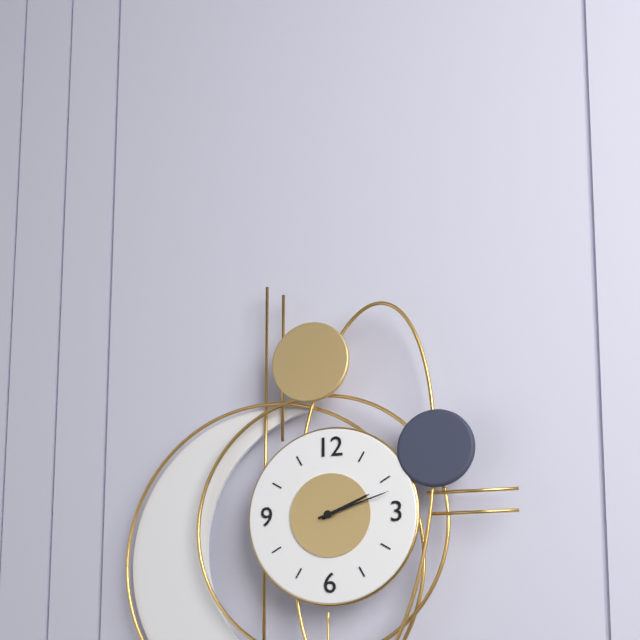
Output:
2 h 12 min
